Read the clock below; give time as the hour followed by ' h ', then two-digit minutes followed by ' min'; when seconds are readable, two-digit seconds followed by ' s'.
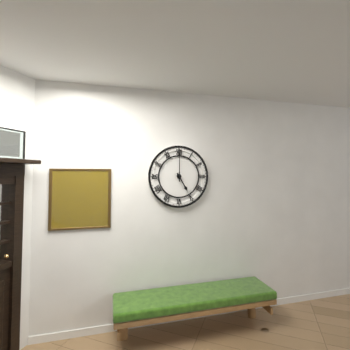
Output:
5 h 00 min
